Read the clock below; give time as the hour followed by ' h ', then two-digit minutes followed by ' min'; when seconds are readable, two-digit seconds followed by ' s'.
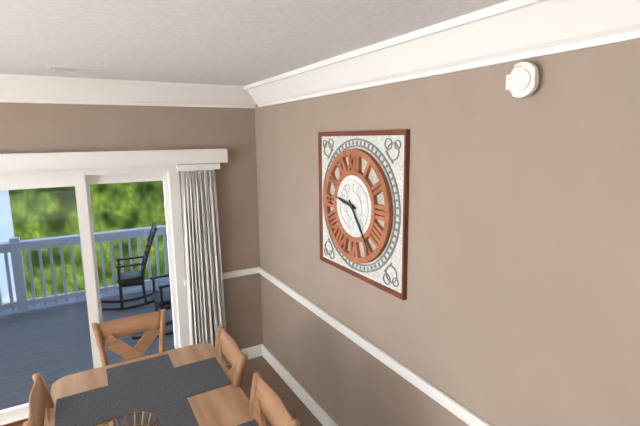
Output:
9 h 24 min
